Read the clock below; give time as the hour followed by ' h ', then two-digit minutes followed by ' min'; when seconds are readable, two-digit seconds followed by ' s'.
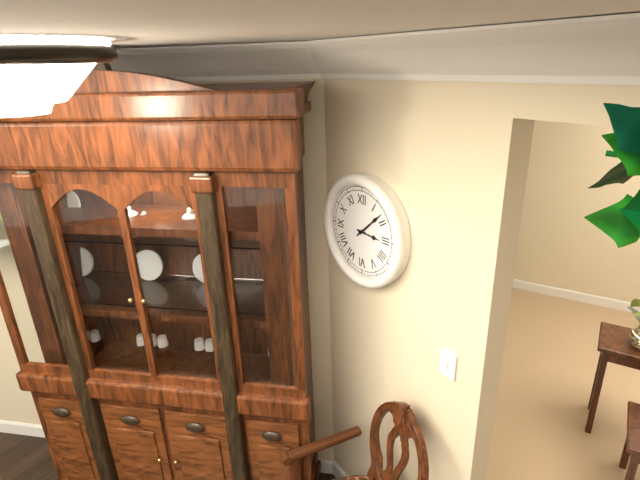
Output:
3 h 08 min
